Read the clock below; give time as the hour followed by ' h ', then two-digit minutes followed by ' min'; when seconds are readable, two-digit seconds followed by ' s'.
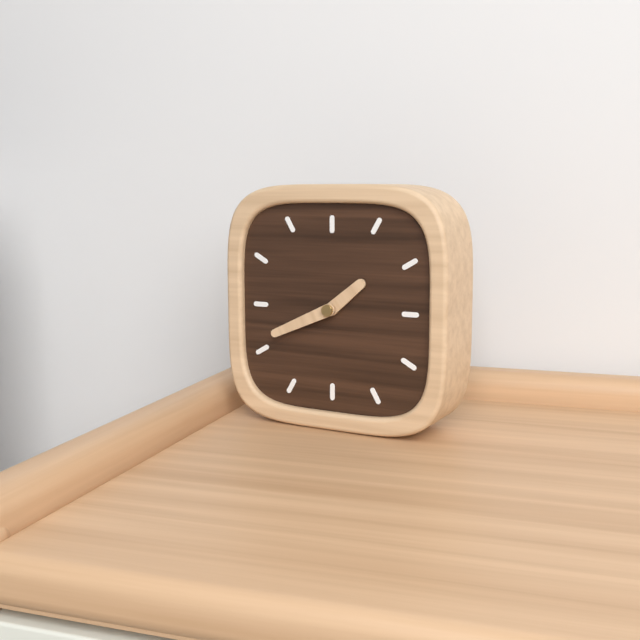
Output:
1 h 41 min
